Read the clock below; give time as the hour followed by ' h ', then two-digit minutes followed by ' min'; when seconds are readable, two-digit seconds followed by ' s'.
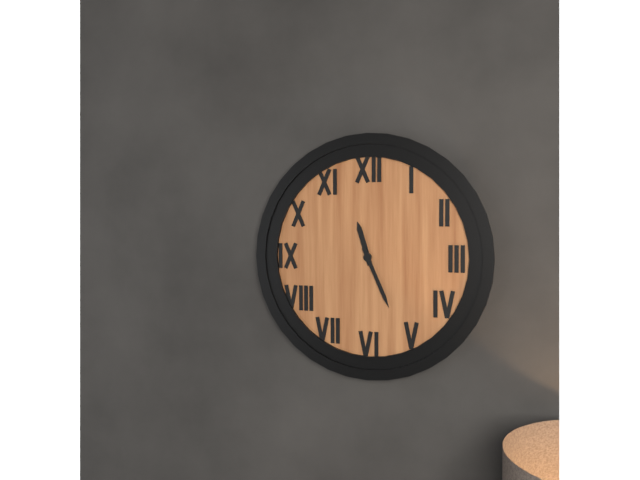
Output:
11 h 26 min
